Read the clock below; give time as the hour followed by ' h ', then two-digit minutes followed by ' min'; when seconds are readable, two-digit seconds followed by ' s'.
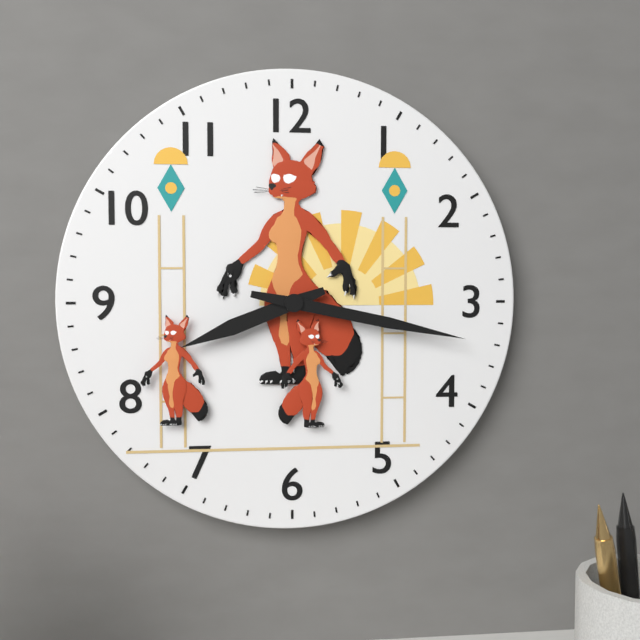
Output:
8 h 17 min
